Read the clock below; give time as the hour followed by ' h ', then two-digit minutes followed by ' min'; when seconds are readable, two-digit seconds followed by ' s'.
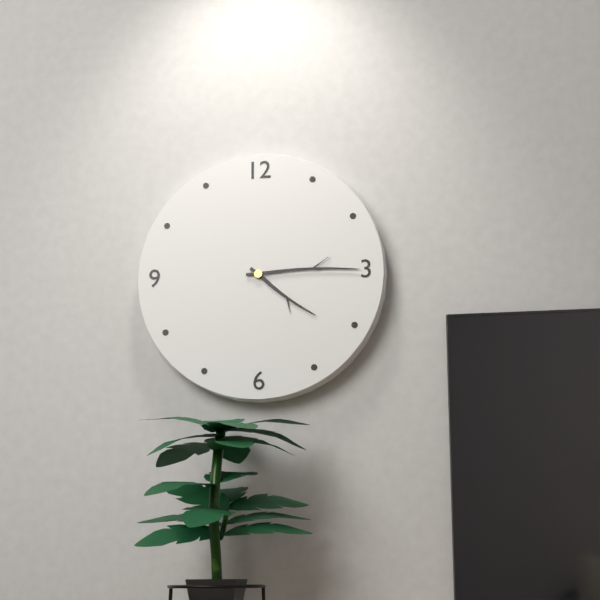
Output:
4 h 15 min
